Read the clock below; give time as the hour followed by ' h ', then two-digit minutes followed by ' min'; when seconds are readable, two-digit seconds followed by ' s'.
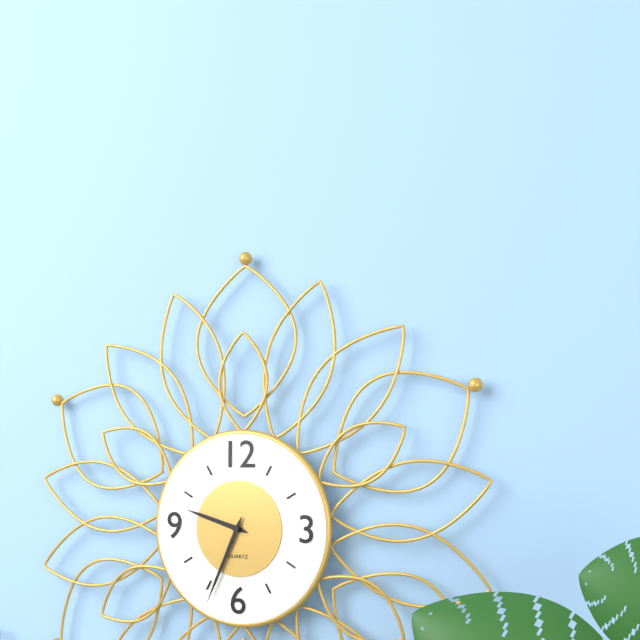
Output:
9 h 34 min
